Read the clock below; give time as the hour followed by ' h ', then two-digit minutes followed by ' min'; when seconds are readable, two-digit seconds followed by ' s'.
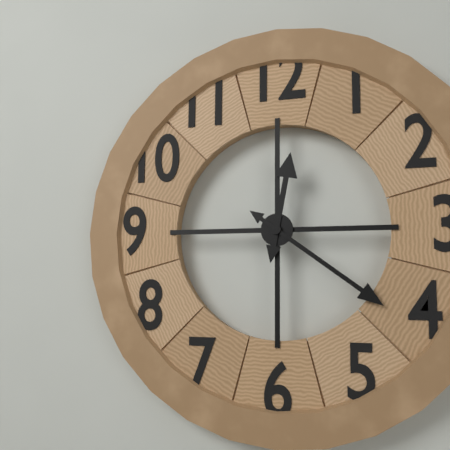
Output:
12 h 21 min
